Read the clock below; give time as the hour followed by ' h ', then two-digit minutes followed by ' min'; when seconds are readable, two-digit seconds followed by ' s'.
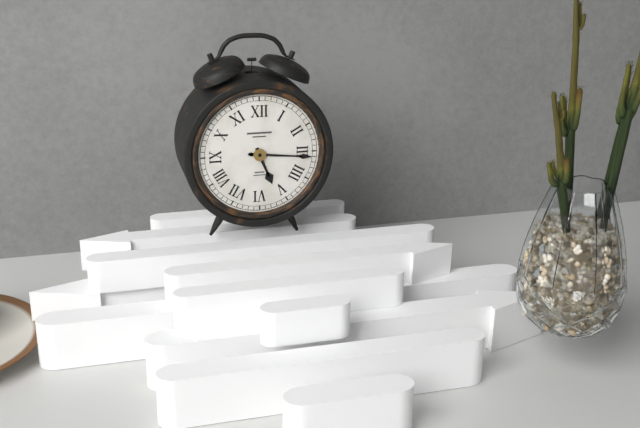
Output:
5 h 16 min
